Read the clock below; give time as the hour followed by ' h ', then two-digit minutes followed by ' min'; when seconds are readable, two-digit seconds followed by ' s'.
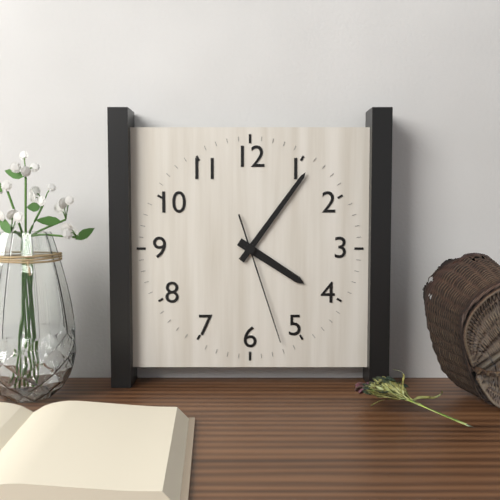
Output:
4 h 06 min 27 s
